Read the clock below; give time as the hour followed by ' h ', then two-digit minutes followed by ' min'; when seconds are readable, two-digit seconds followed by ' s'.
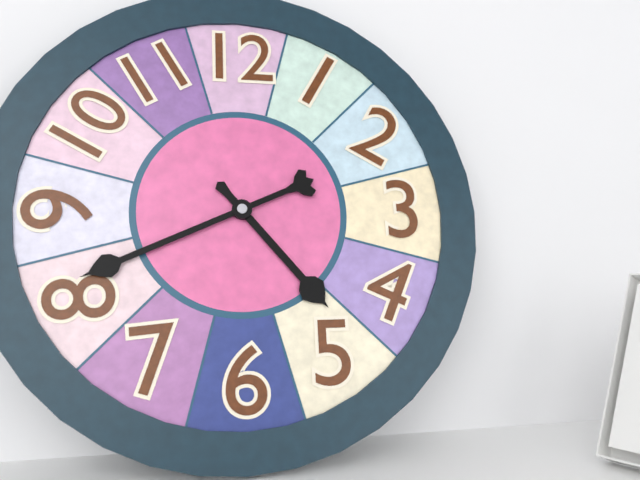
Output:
4 h 41 min
